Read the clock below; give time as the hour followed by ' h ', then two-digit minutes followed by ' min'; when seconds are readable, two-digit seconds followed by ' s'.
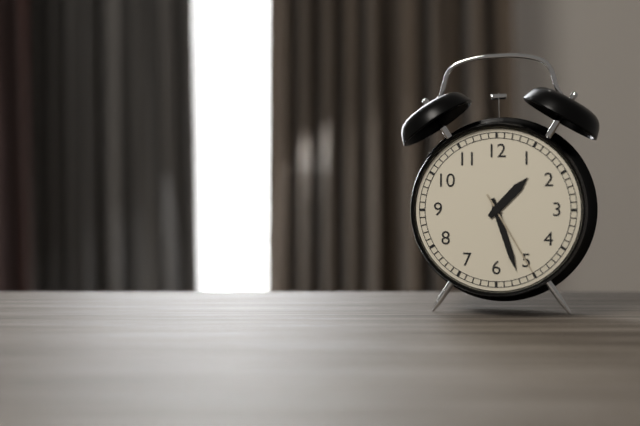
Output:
1 h 27 min 25 s
